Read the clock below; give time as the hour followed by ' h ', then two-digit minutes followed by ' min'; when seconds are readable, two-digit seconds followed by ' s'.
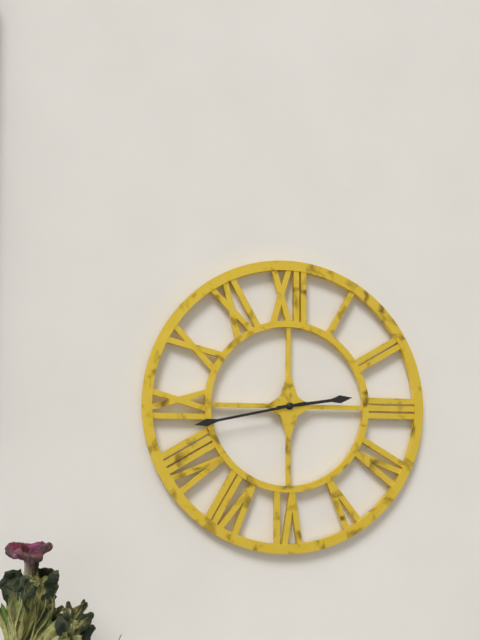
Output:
2 h 43 min
